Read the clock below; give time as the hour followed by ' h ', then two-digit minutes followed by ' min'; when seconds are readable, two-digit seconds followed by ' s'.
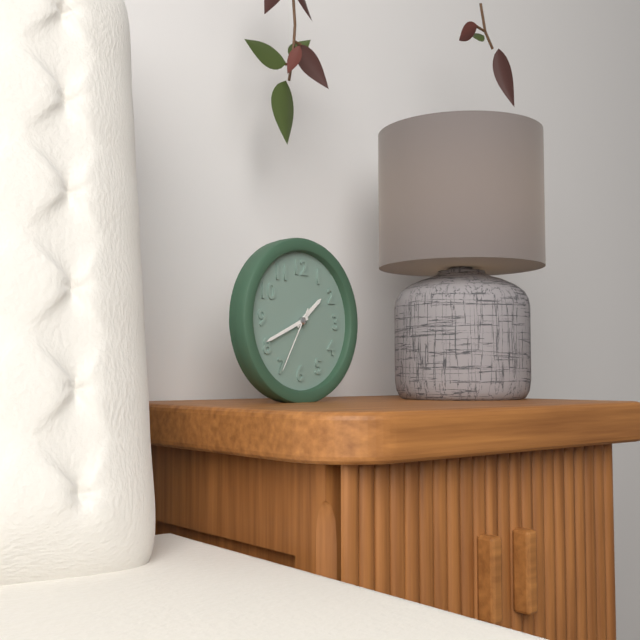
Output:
1 h 41 min 35 s
